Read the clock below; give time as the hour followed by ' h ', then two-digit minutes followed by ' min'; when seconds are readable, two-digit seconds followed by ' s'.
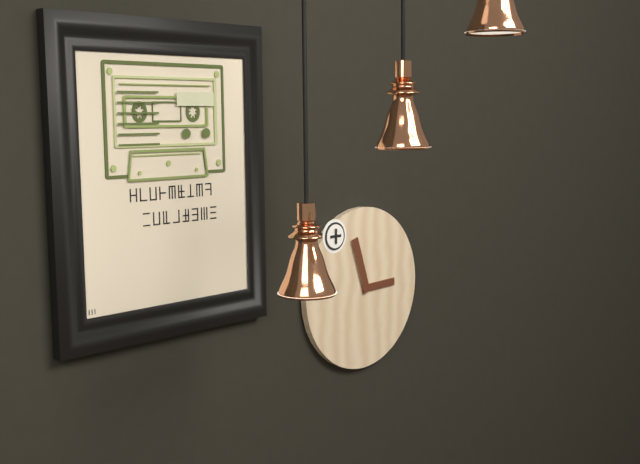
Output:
2 h 57 min
